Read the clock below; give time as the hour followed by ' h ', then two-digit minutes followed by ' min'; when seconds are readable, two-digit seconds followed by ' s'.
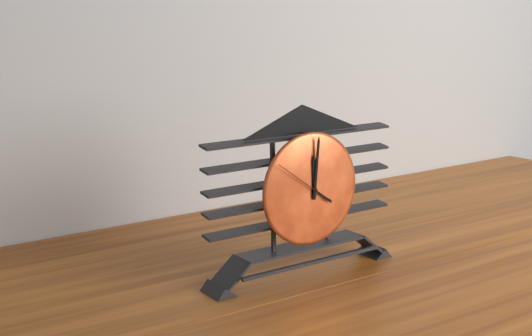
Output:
12 h 01 min 51 s
